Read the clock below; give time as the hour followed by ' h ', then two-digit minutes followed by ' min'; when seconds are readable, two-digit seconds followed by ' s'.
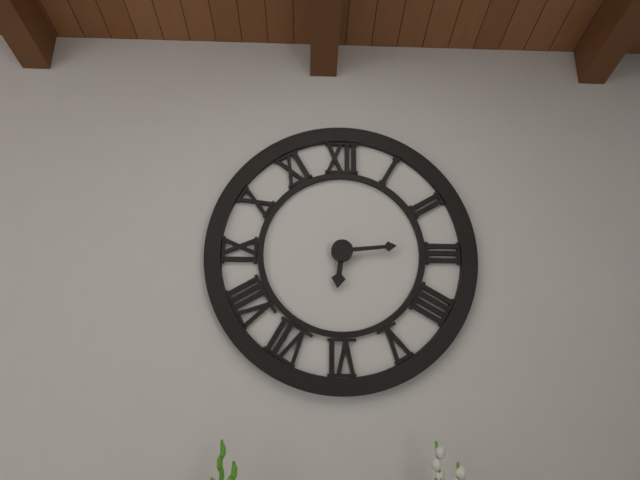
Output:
6 h 14 min
